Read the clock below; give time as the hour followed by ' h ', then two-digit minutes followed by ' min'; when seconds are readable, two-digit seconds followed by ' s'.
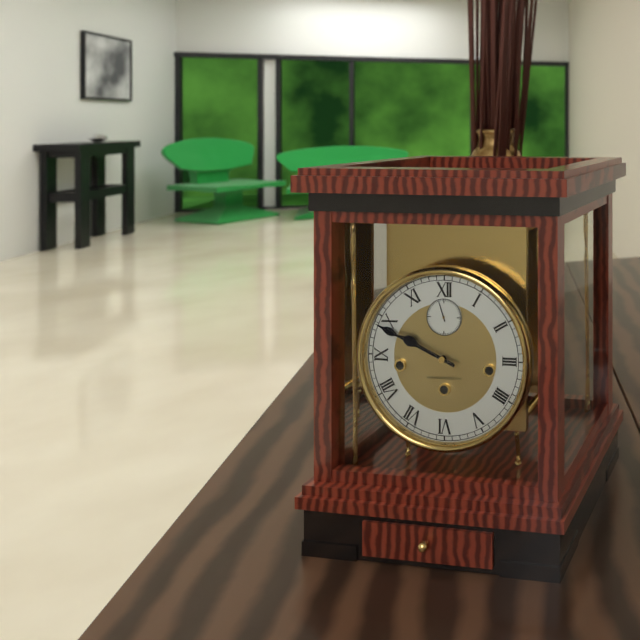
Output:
9 h 49 min
